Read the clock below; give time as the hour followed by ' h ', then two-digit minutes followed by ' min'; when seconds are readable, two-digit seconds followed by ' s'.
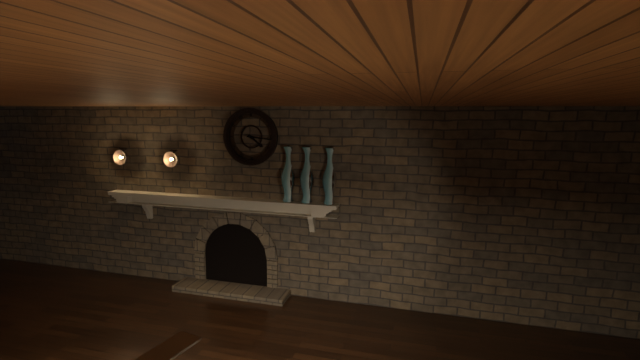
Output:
4 h 16 min
